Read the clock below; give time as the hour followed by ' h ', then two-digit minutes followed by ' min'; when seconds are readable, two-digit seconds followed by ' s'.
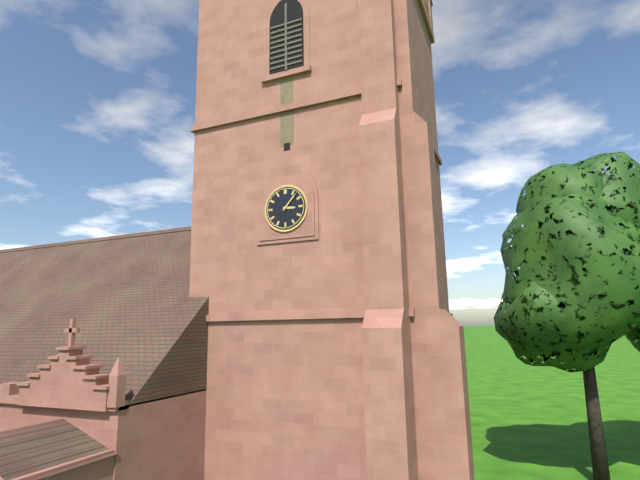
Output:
3 h 07 min
